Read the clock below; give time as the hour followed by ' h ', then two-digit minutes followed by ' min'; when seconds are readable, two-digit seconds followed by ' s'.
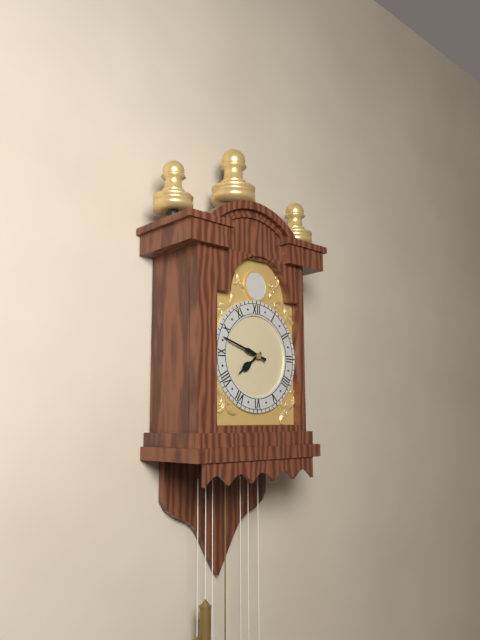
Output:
7 h 48 min
